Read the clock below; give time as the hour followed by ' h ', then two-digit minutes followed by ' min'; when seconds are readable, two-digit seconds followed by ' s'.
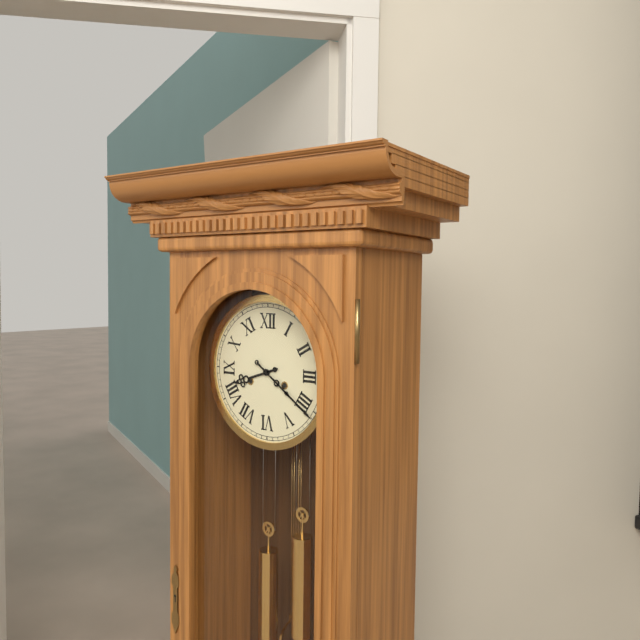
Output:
8 h 21 min
